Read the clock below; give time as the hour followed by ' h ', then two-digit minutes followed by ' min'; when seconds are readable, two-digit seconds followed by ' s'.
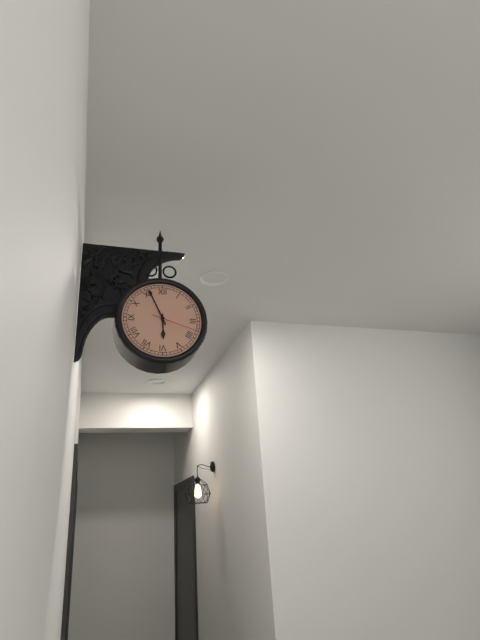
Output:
5 h 56 min
